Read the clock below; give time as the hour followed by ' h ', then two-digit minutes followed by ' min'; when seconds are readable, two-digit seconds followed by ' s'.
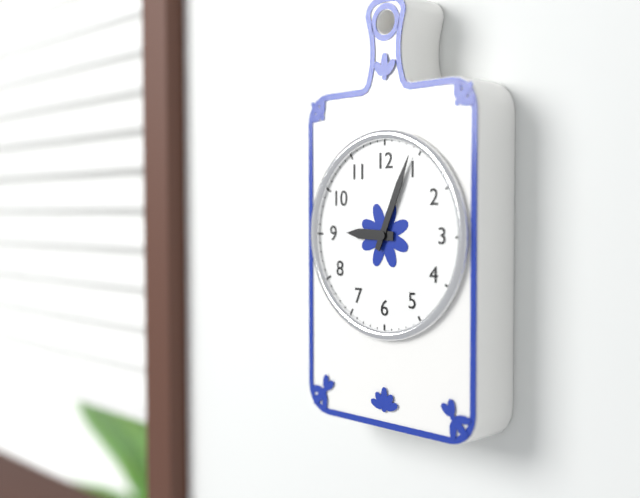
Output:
9 h 04 min
